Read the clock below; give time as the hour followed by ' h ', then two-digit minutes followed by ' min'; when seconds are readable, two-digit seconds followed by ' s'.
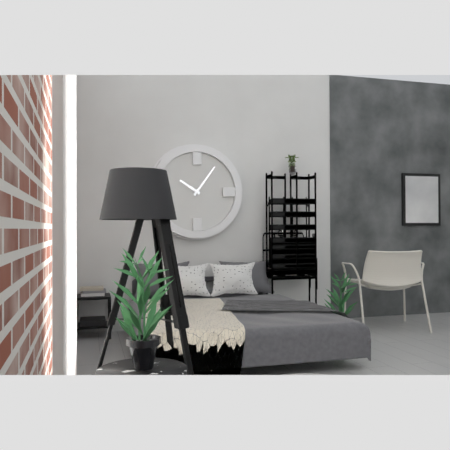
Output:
10 h 06 min
